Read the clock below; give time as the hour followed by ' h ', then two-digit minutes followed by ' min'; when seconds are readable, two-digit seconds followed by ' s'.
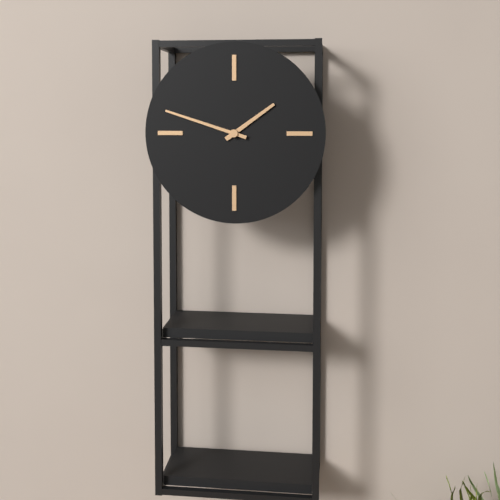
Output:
1 h 48 min
